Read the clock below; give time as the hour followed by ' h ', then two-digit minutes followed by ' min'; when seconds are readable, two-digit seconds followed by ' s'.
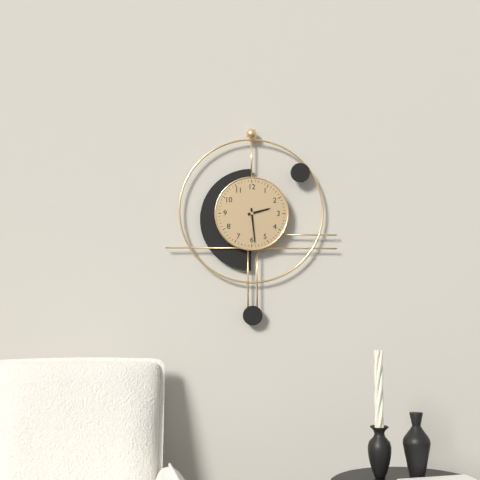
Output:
2 h 29 min
